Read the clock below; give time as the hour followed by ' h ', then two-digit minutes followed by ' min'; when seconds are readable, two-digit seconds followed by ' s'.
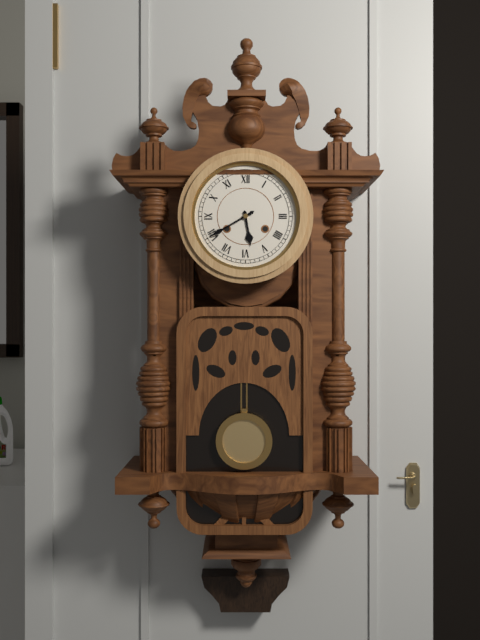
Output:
5 h 40 min
